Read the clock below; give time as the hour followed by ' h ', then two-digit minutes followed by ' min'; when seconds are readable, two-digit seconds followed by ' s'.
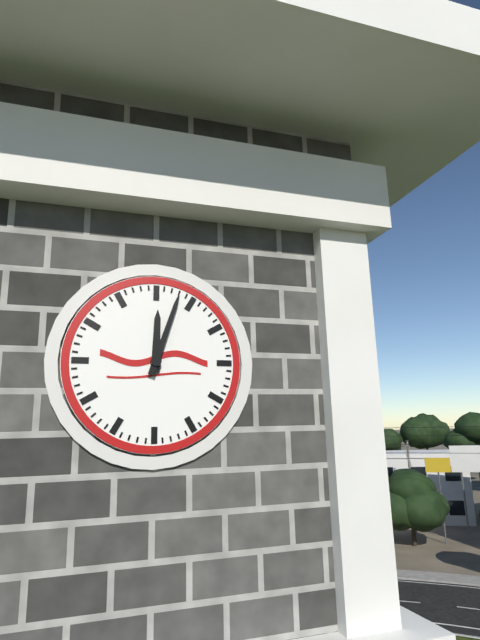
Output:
12 h 03 min
